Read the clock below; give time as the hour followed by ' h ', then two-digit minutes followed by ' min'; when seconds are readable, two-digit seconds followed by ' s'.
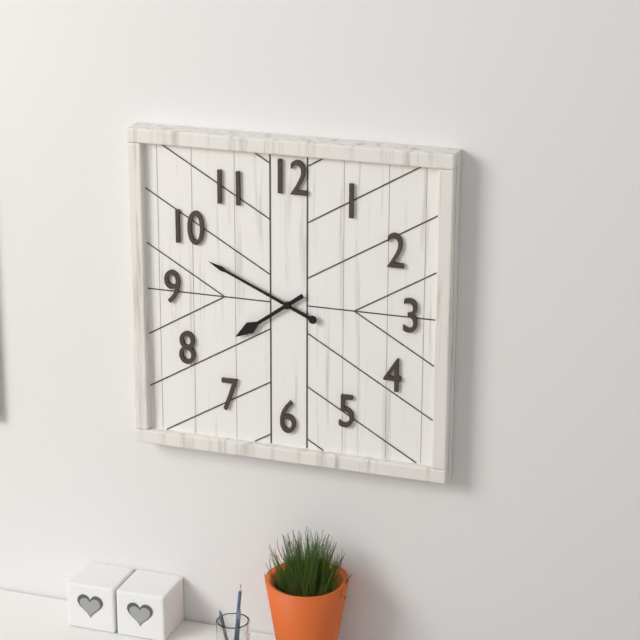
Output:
7 h 49 min
